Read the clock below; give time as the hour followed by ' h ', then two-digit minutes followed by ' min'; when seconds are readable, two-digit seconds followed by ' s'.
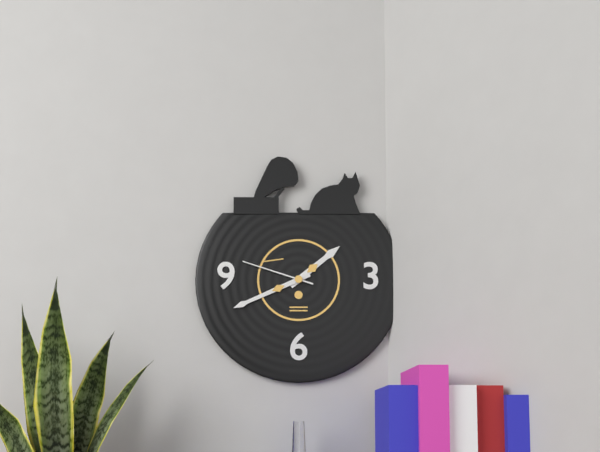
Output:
1 h 41 min 48 s
